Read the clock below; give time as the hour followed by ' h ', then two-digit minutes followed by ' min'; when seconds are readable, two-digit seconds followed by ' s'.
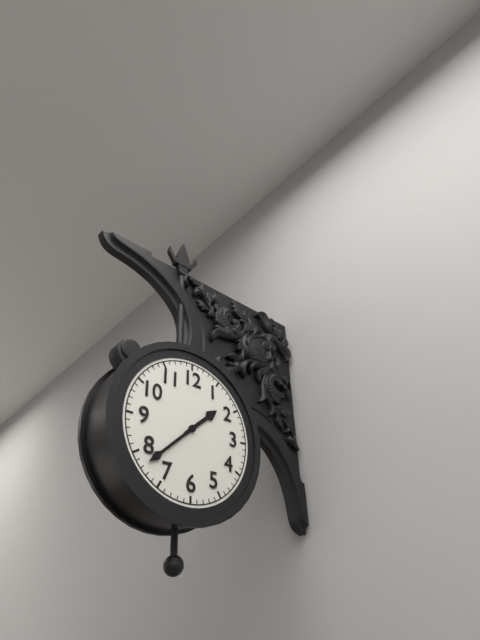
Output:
1 h 38 min
